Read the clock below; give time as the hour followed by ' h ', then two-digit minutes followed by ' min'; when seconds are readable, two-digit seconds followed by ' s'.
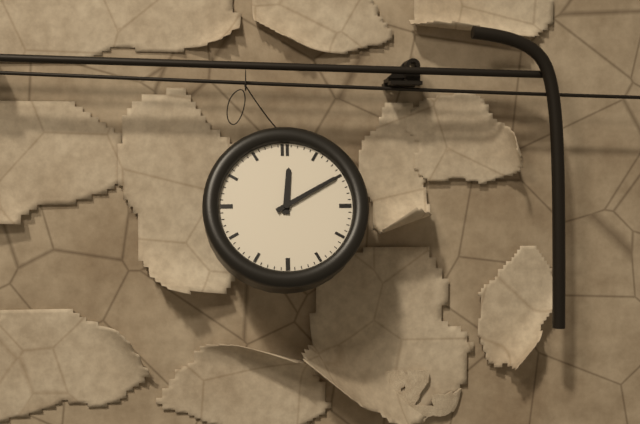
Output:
12 h 10 min
